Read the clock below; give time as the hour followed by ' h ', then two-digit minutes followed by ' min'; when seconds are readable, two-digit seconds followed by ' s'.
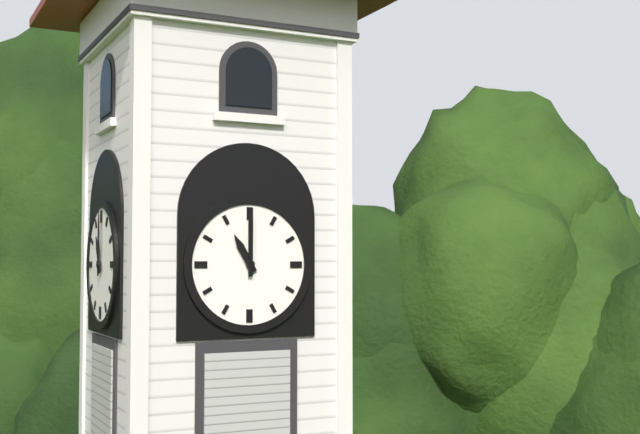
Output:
11 h 00 min
